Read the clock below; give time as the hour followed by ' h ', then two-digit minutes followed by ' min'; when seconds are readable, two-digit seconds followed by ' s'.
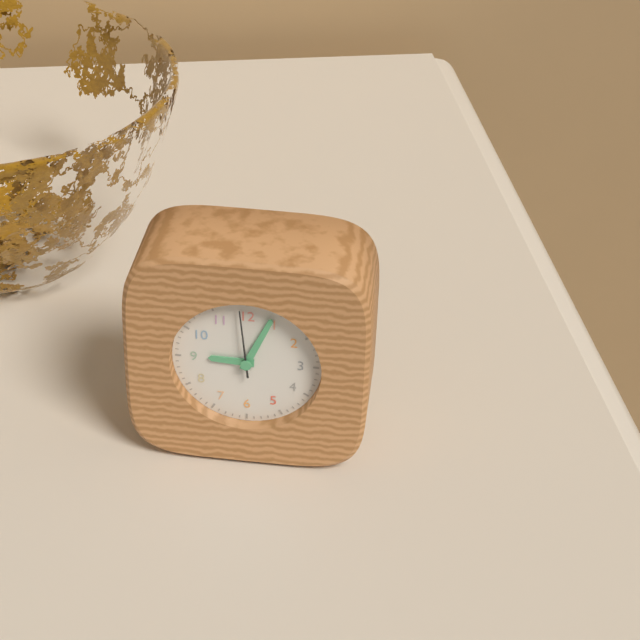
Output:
9 h 04 min 59 s
